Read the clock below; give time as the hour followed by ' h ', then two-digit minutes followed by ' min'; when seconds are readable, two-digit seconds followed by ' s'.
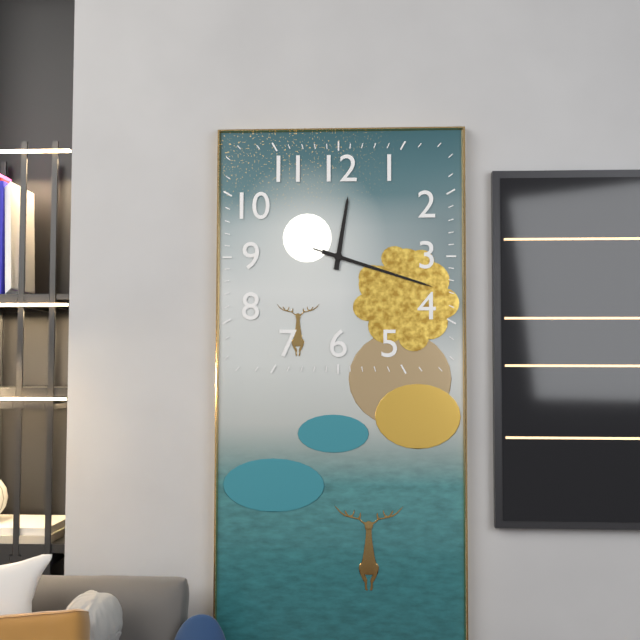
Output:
12 h 18 min 18 s
